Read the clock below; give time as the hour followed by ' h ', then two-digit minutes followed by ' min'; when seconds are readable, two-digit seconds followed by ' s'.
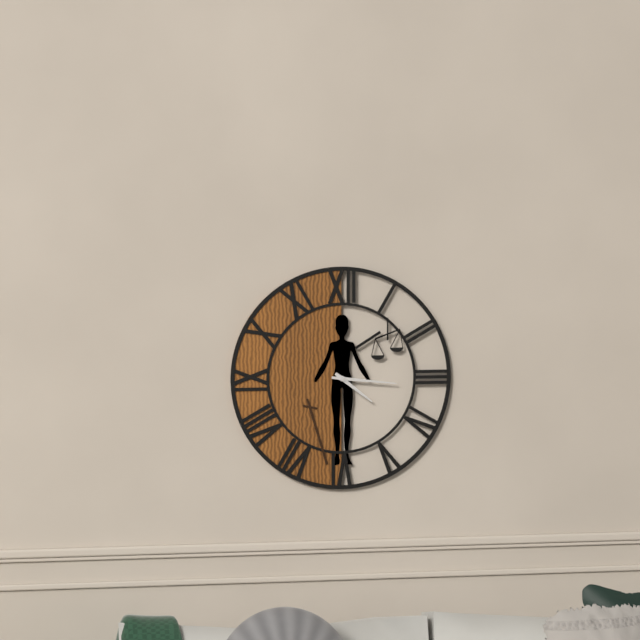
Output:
4 h 16 min
